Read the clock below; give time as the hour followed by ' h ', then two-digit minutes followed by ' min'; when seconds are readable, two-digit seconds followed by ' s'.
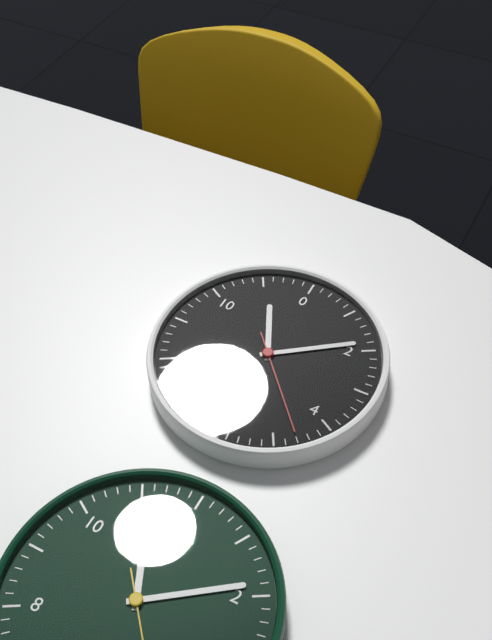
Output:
11 h 09 min 23 s
